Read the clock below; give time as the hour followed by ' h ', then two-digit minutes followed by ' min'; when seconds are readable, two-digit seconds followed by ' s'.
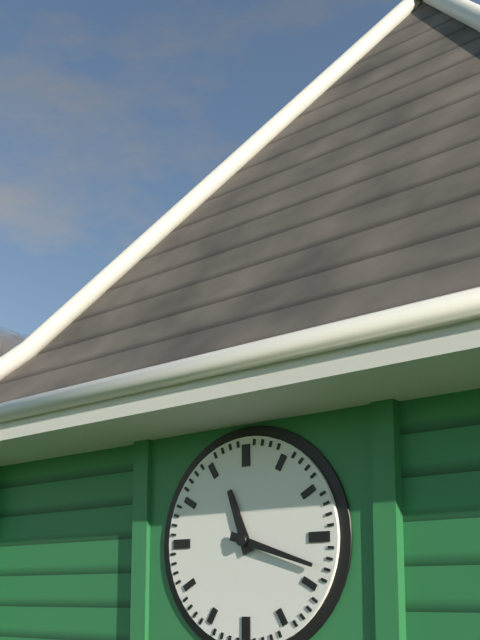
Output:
11 h 18 min
